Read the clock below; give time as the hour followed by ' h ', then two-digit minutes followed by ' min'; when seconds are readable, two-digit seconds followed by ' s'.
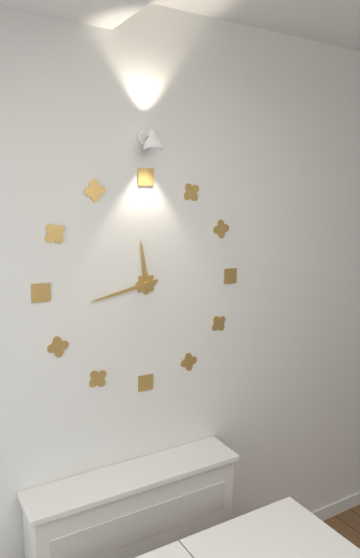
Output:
11 h 43 min
